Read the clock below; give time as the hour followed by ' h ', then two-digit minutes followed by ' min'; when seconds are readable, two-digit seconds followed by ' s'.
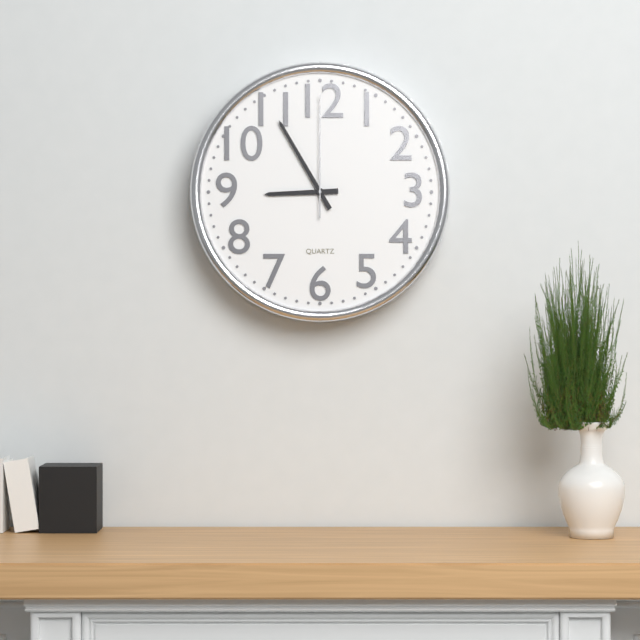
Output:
8 h 55 min 00 s
